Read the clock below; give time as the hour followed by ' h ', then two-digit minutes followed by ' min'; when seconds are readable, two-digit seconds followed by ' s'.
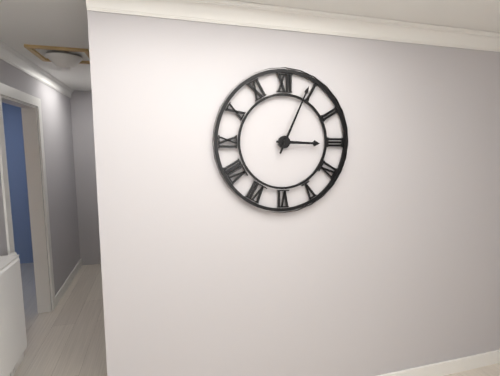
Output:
3 h 04 min
